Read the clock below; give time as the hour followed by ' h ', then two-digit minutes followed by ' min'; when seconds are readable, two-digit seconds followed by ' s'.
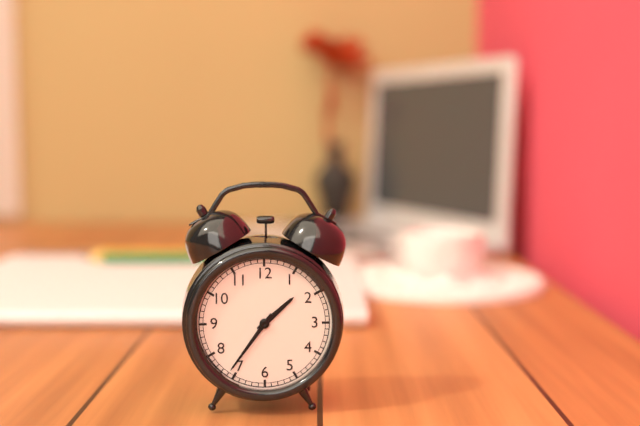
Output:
1 h 36 min
